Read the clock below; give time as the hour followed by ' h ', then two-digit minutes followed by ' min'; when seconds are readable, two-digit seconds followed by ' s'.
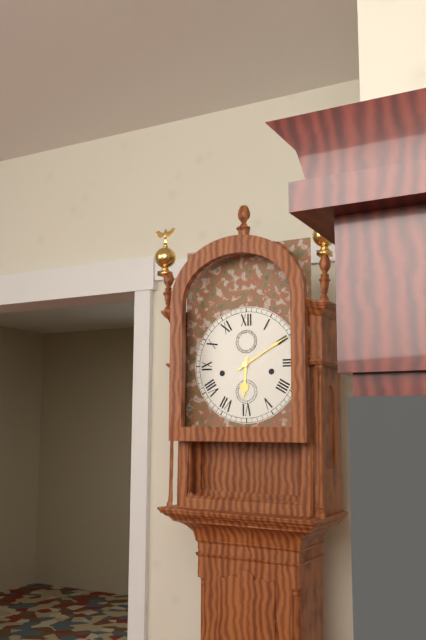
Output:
6 h 10 min
